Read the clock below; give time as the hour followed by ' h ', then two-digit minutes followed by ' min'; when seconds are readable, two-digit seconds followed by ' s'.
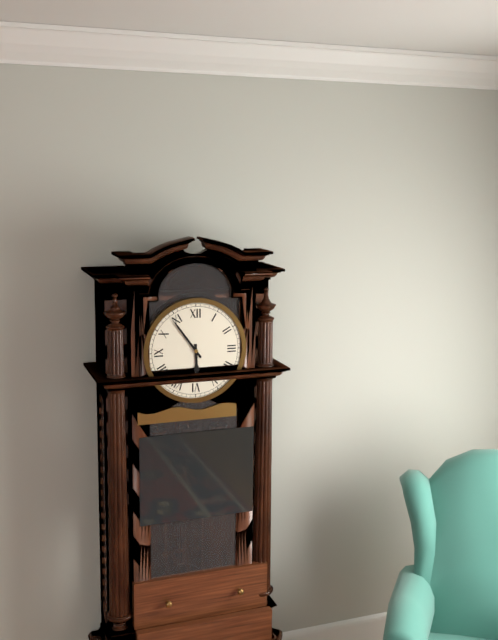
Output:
5 h 54 min
